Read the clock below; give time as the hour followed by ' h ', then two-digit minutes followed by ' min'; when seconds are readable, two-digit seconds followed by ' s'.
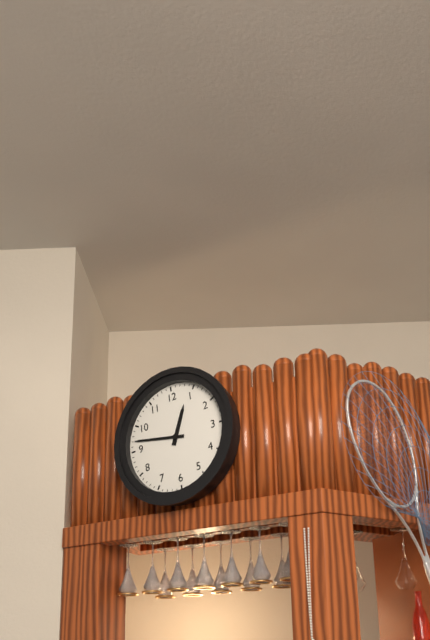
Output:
12 h 47 min
